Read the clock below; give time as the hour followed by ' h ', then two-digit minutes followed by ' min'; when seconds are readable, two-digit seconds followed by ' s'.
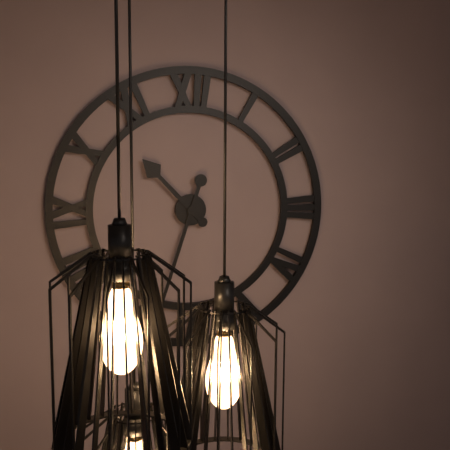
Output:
10 h 33 min
